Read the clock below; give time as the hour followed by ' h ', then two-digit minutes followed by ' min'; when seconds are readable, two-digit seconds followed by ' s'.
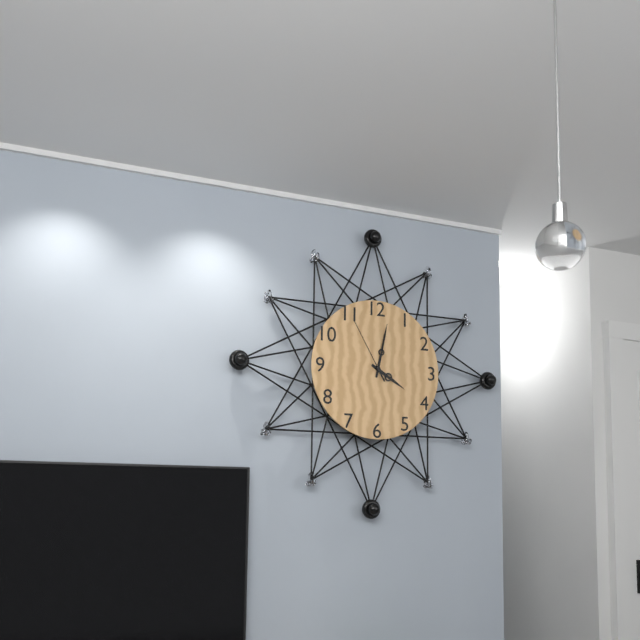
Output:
4 h 02 min 55 s
